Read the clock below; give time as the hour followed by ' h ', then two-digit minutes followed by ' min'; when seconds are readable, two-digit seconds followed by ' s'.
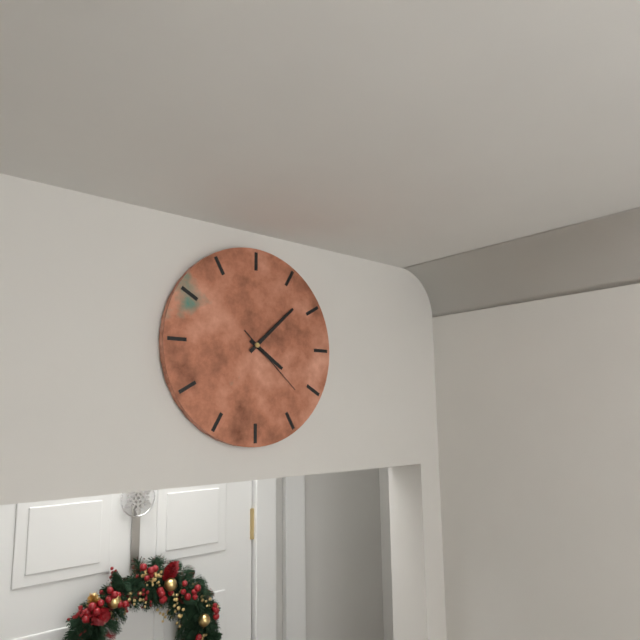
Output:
4 h 08 min 22 s
